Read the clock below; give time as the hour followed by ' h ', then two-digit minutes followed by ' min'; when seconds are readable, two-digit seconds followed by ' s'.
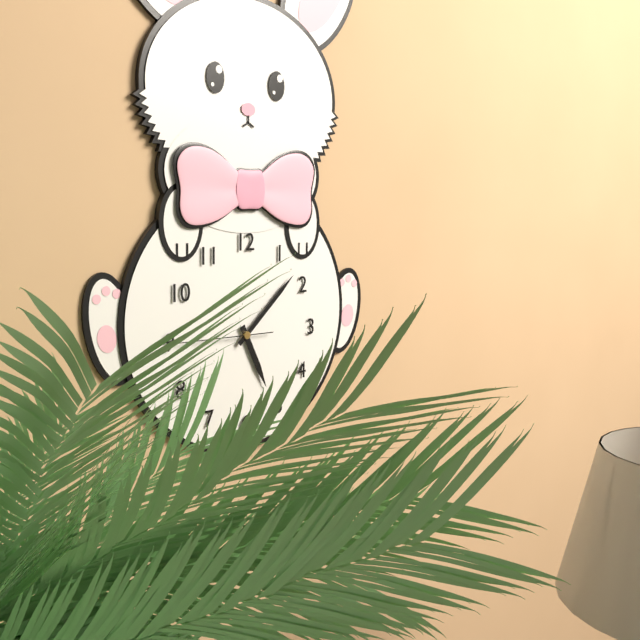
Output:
5 h 08 min 45 s
